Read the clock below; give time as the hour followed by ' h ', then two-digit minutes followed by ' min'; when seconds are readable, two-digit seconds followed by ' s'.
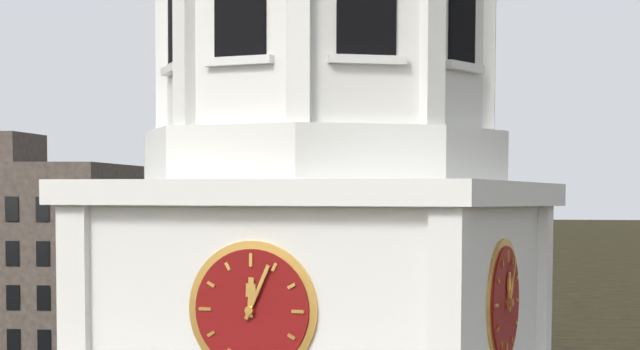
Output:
12 h 04 min
